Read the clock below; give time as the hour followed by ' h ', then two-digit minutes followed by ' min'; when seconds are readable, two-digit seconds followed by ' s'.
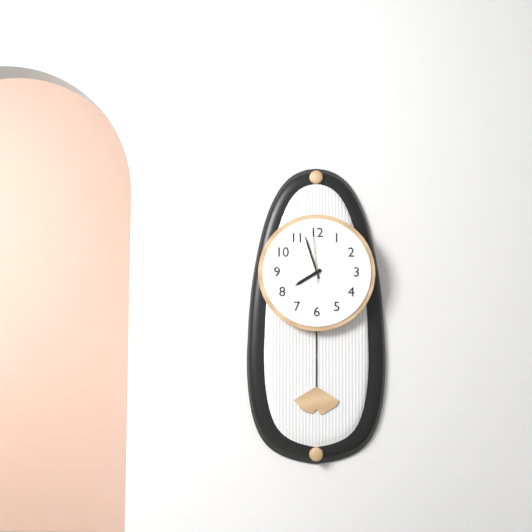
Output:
7 h 57 min 59 s
